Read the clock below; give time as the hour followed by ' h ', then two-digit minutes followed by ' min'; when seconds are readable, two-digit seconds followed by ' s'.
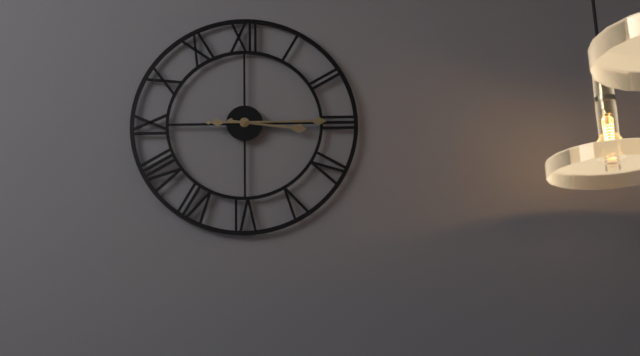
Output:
3 h 15 min
